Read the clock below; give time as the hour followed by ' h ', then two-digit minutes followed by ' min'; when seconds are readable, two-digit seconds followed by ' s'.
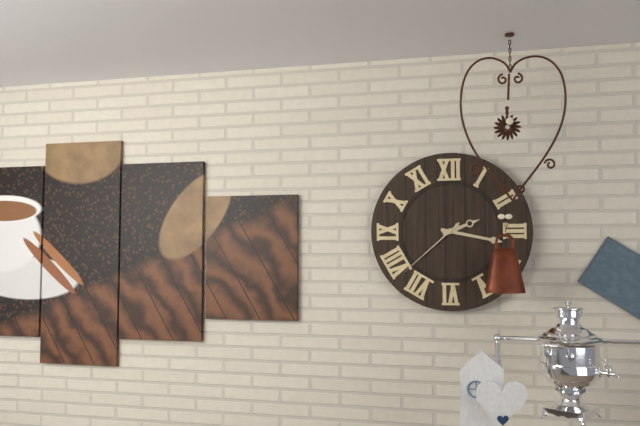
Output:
2 h 17 min 38 s
